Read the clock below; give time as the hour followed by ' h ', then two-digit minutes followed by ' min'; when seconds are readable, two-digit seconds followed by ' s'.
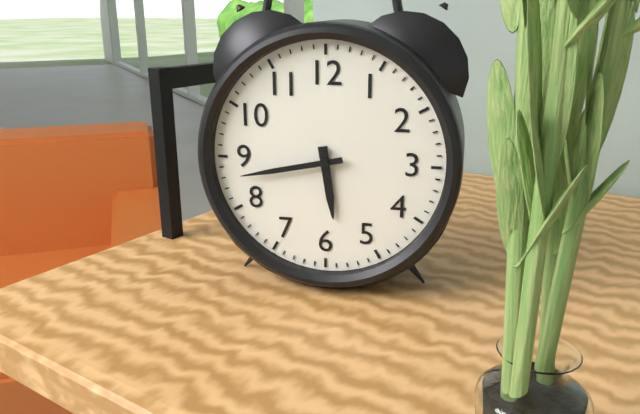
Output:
5 h 43 min
